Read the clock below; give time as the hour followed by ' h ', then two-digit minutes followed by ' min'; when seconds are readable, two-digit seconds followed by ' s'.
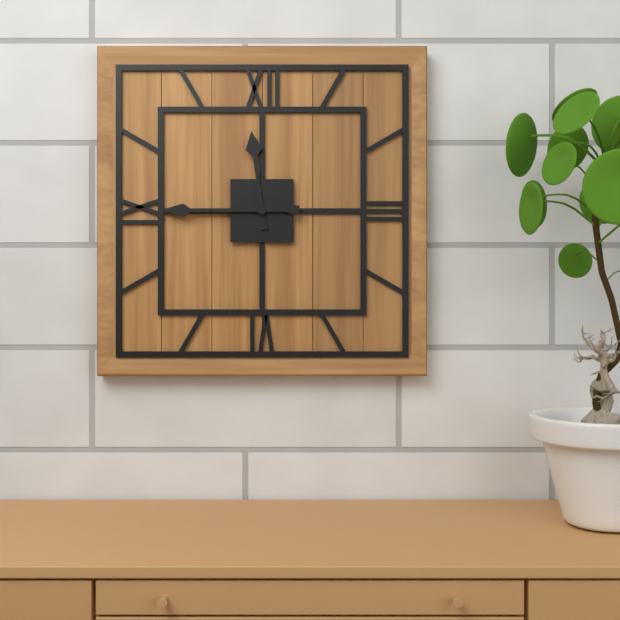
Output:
11 h 45 min
